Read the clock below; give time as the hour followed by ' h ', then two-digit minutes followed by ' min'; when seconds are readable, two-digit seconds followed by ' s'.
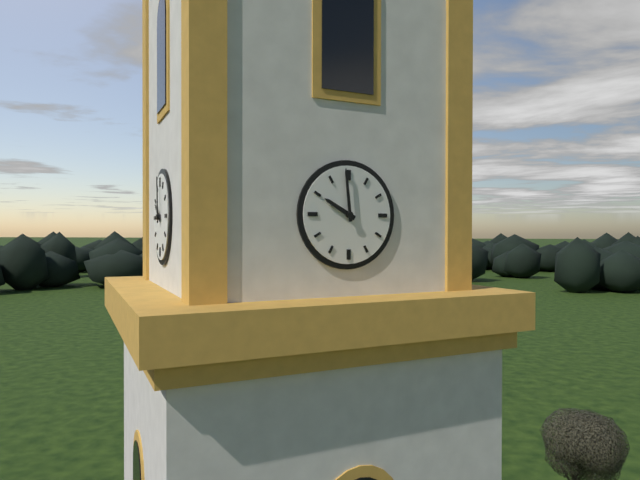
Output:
9 h 59 min
